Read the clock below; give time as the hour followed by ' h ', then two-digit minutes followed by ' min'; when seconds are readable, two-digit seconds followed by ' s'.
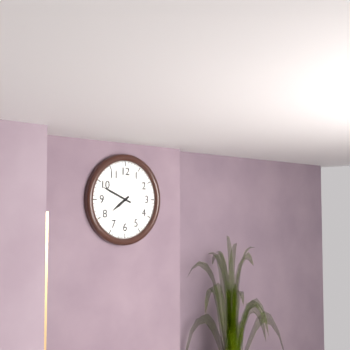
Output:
7 h 49 min
